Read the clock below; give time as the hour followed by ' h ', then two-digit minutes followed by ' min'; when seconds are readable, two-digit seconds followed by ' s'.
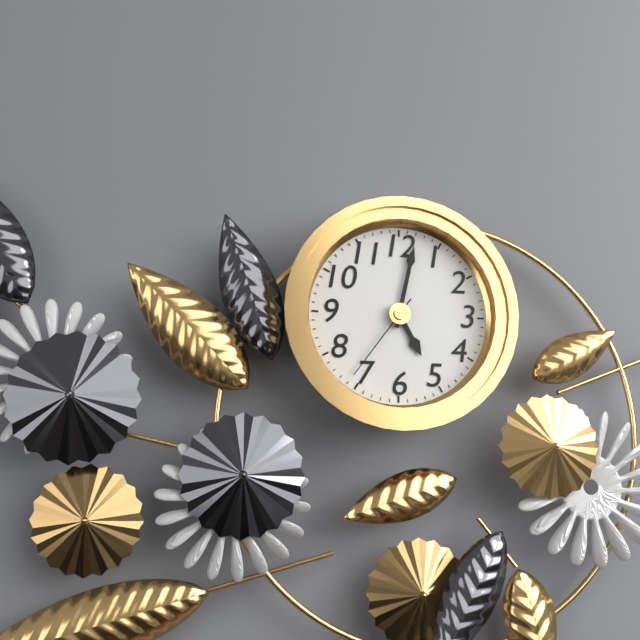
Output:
5 h 02 min 36 s
